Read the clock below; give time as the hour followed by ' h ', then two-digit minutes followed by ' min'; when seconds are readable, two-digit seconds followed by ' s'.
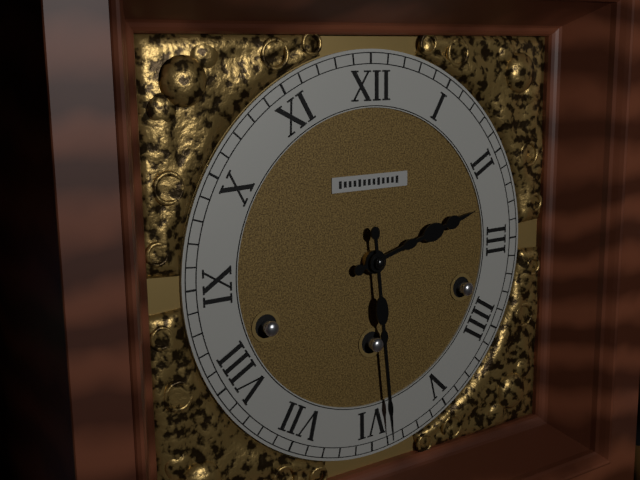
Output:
2 h 29 min
